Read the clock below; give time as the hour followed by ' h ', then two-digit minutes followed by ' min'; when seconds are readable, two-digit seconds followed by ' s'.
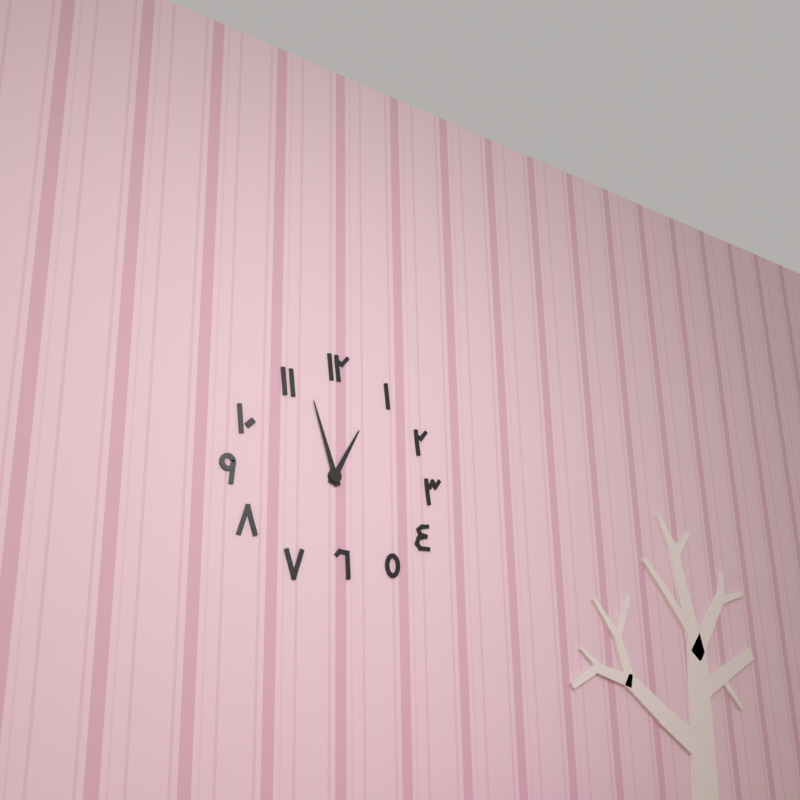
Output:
12 h 57 min
